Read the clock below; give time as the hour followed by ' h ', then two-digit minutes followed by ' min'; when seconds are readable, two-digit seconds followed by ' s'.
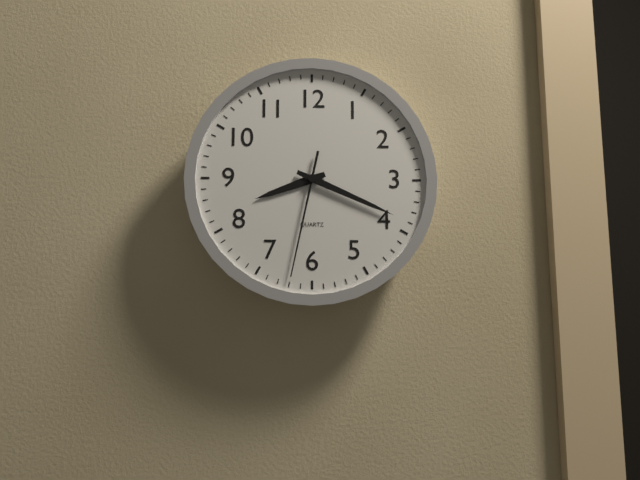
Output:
8 h 19 min 32 s
